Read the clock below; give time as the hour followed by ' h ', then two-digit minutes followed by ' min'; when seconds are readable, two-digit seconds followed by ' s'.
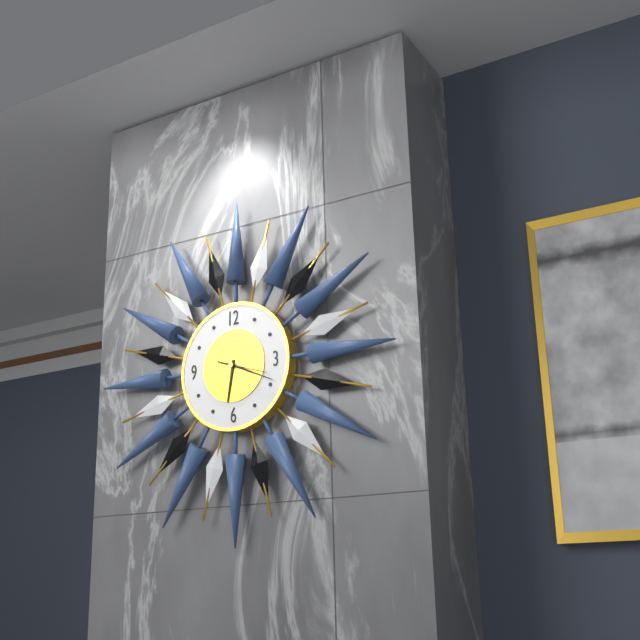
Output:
6 h 19 min
